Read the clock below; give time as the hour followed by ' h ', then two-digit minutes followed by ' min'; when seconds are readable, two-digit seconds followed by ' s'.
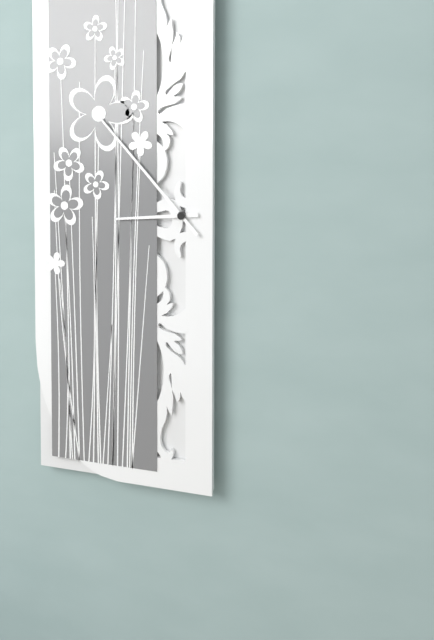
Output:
8 h 53 min
